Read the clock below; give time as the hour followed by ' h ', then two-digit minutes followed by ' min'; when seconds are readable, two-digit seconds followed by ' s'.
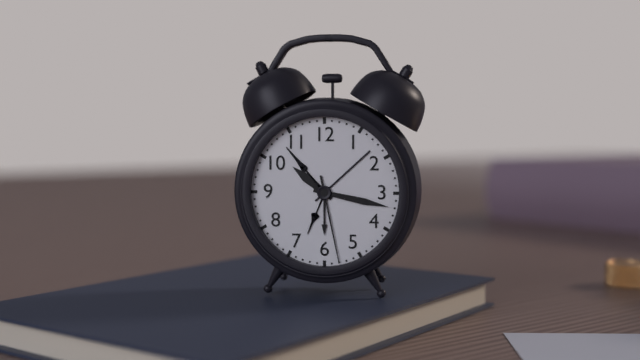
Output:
10 h 17 min 28 s
